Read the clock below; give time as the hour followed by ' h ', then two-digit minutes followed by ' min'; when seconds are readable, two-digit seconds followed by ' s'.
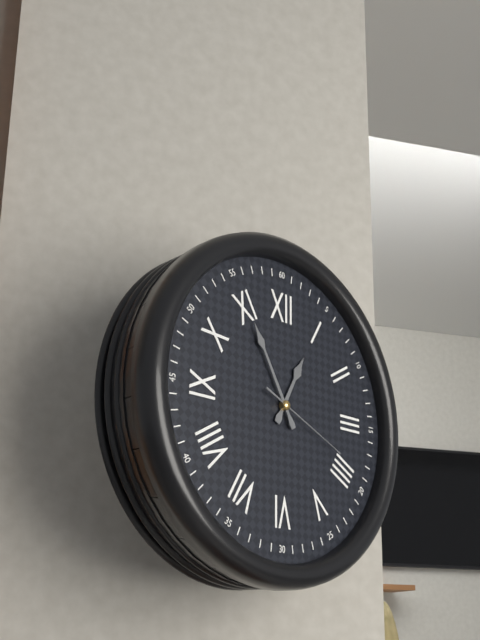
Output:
12 h 55 min 19 s
